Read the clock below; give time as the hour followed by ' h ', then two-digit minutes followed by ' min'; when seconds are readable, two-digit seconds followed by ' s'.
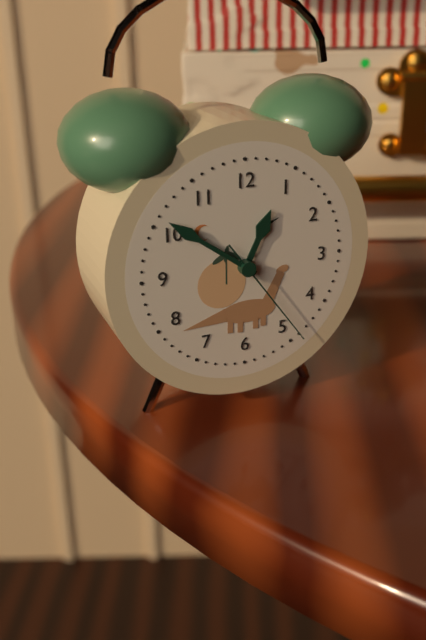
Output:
12 h 51 min 24 s
